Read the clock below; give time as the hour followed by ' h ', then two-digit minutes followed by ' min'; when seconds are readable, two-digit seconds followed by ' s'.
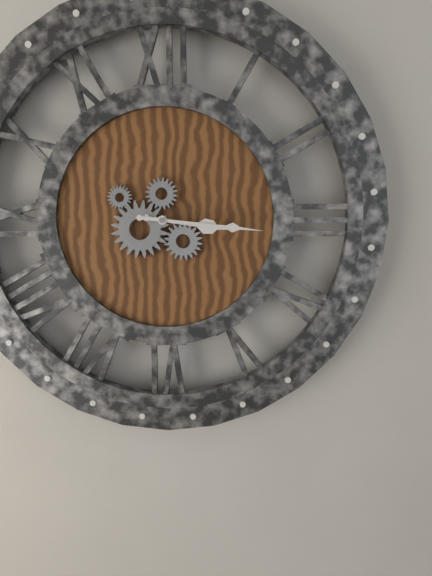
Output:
3 h 16 min
